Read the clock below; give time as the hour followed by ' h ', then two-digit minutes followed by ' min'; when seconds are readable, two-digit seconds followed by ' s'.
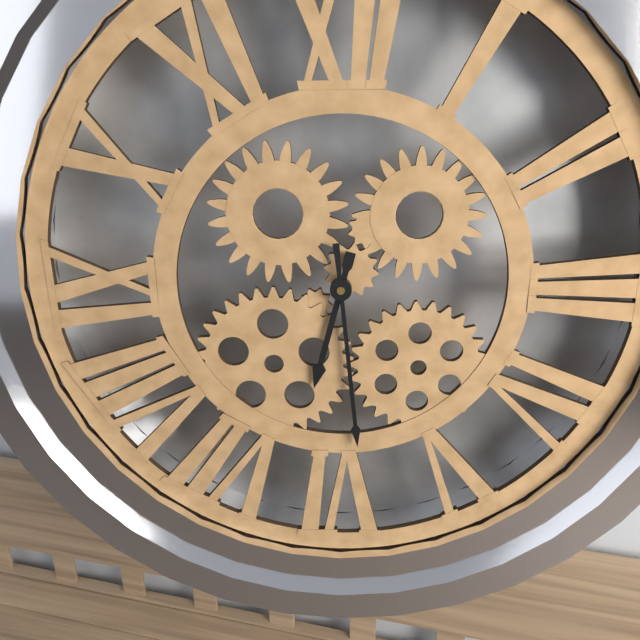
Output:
6 h 29 min
